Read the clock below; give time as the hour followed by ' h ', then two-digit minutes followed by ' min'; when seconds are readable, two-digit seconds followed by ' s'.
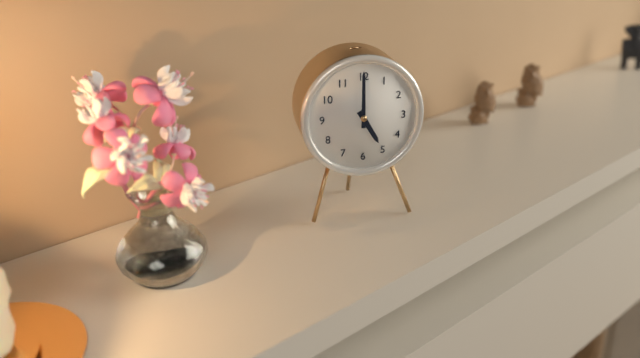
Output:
5 h 00 min
